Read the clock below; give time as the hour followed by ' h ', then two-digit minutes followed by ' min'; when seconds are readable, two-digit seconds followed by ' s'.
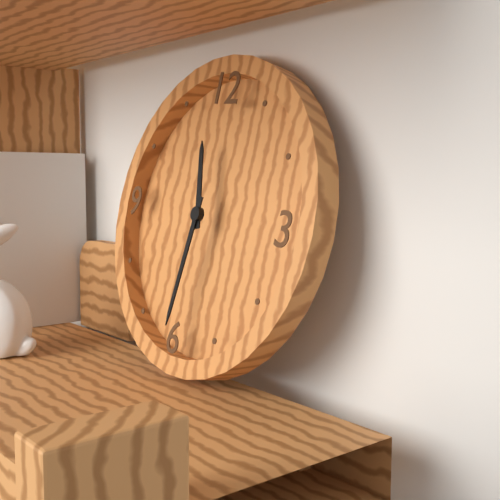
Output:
11 h 31 min
